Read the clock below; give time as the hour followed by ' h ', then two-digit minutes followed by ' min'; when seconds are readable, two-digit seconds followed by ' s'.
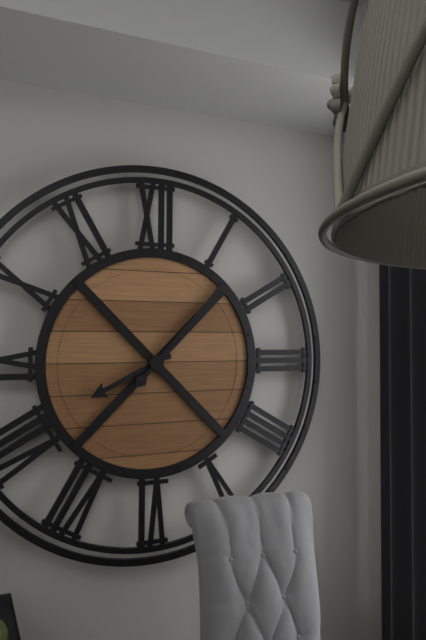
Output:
8 h 07 min
